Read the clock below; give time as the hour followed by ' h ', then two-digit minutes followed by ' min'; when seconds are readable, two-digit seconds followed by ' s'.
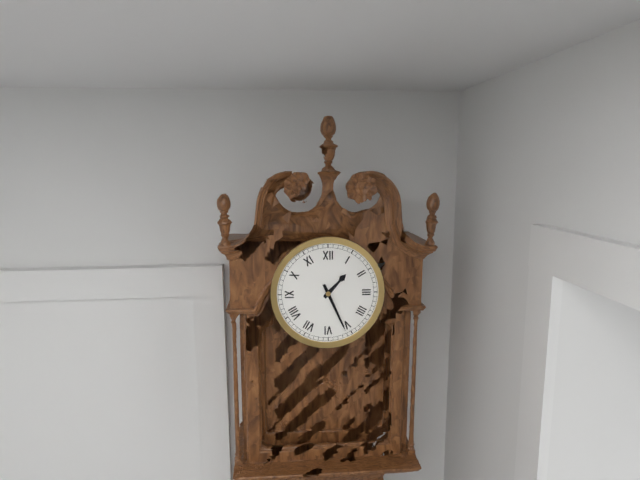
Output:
1 h 26 min
